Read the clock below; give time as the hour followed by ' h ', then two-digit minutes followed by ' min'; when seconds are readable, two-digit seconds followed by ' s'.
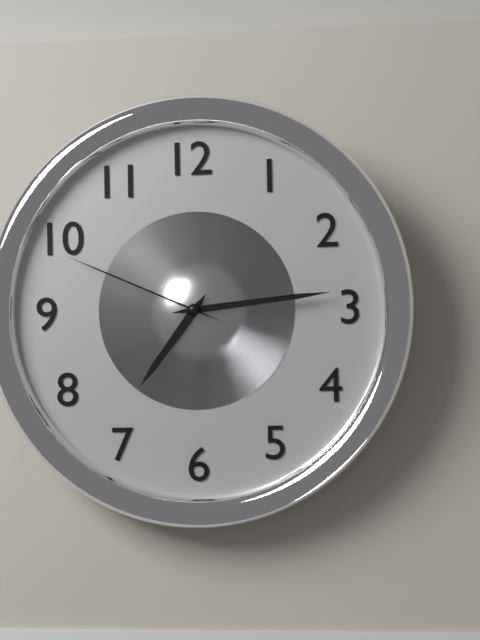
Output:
7 h 14 min 49 s
